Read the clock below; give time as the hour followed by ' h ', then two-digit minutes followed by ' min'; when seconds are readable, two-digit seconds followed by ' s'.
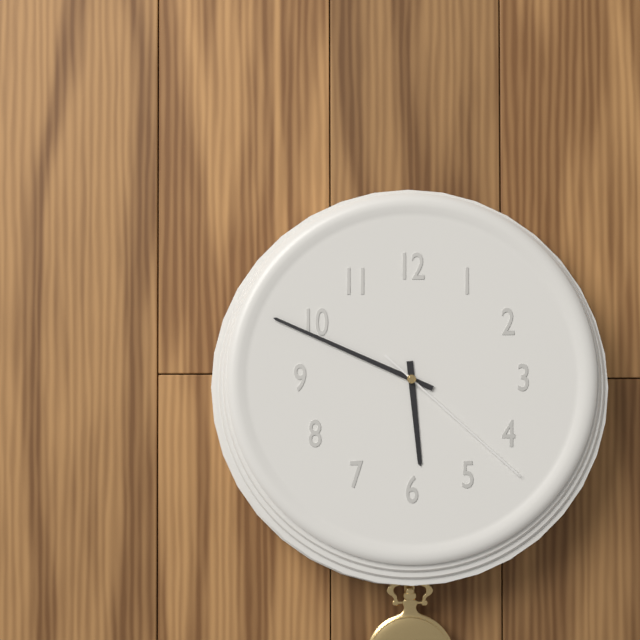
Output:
5 h 49 min 22 s
